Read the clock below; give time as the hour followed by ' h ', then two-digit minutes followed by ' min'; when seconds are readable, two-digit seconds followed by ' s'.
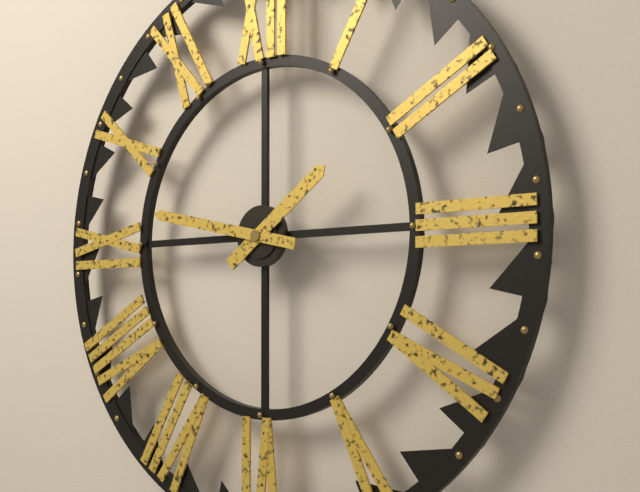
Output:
1 h 47 min
